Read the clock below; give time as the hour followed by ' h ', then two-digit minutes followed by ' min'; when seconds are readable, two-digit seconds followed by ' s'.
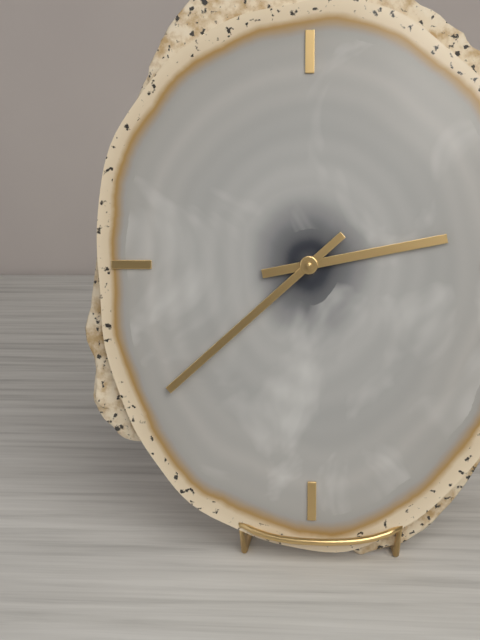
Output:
2 h 38 min
